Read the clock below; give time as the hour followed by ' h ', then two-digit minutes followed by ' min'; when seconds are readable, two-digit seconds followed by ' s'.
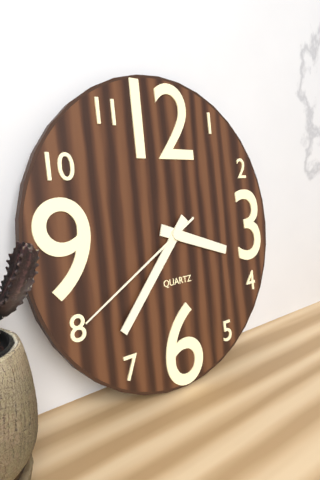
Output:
3 h 37 min 40 s
